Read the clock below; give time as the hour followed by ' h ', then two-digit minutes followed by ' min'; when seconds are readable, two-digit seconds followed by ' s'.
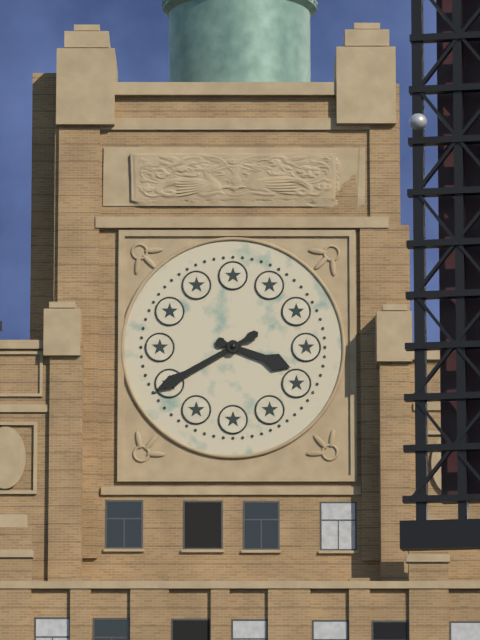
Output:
3 h 40 min
